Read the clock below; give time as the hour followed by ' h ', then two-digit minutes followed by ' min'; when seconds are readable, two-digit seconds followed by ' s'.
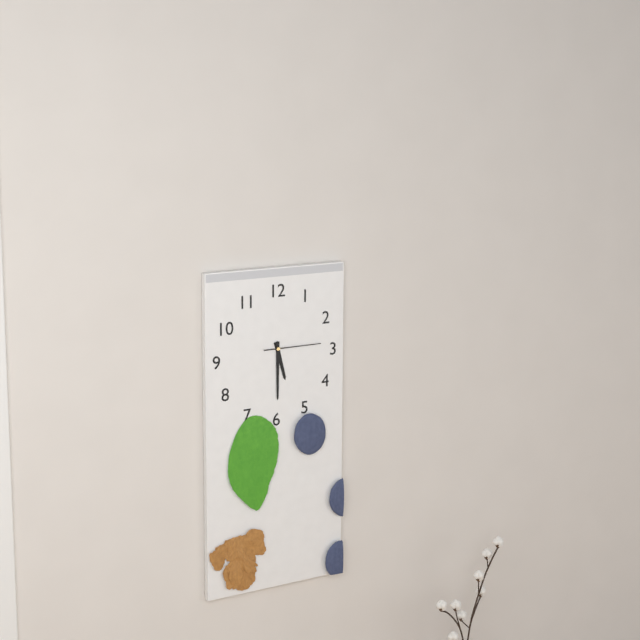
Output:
5 h 30 min 15 s
